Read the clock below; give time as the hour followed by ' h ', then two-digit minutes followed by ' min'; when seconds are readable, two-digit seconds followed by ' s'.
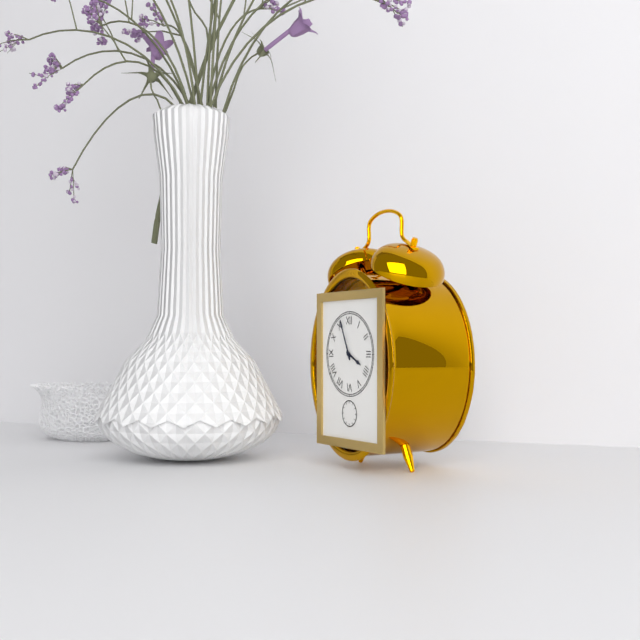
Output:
3 h 56 min
